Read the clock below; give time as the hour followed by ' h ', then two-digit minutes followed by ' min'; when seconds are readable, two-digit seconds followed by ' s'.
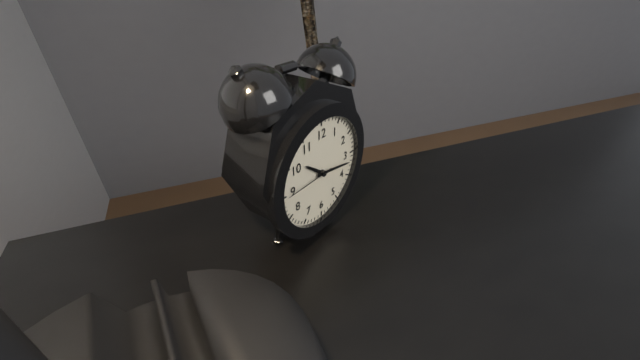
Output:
10 h 17 min 45 s
